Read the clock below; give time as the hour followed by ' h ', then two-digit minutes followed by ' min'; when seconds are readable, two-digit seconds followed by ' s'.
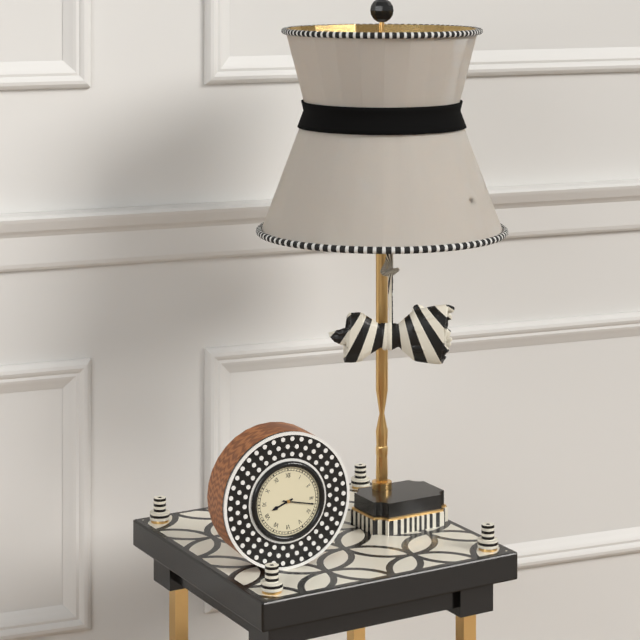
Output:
8 h 17 min
